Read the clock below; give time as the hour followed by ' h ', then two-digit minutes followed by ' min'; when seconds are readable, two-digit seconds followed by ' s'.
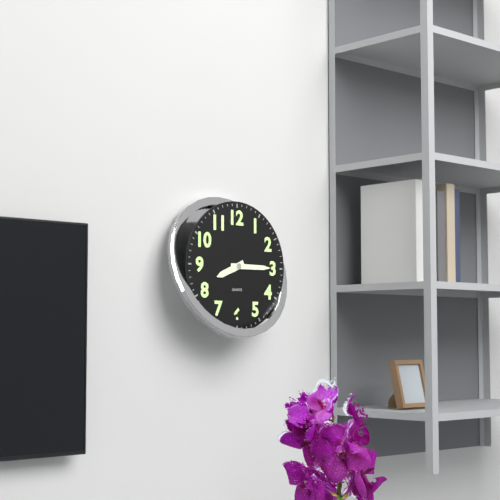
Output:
8 h 15 min
